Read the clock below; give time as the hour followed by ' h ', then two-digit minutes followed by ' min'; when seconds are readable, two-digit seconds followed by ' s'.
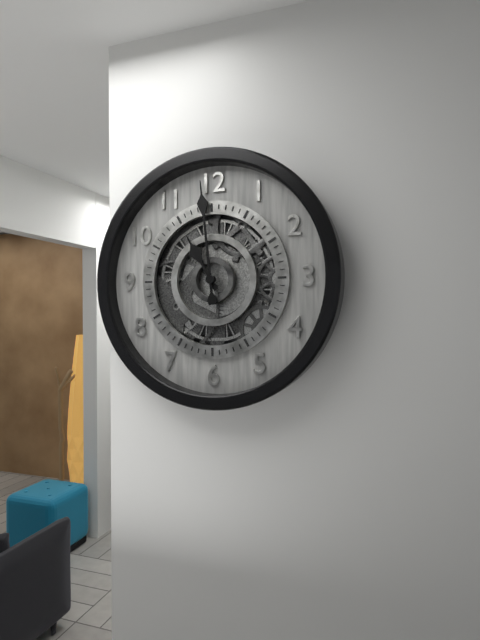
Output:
10 h 59 min
